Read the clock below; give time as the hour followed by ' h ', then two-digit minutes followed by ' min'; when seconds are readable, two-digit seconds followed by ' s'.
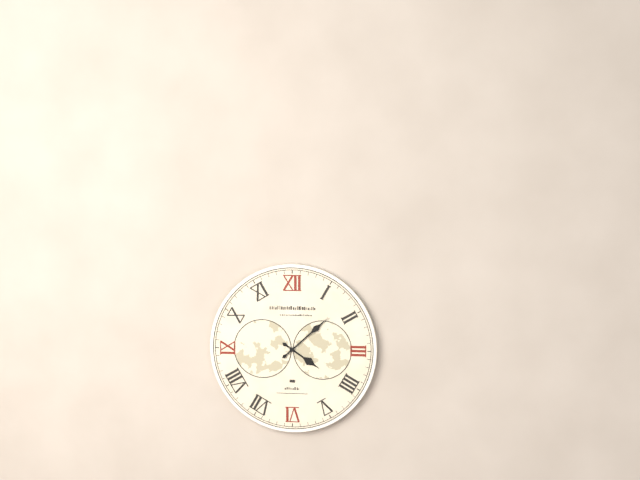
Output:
4 h 08 min
